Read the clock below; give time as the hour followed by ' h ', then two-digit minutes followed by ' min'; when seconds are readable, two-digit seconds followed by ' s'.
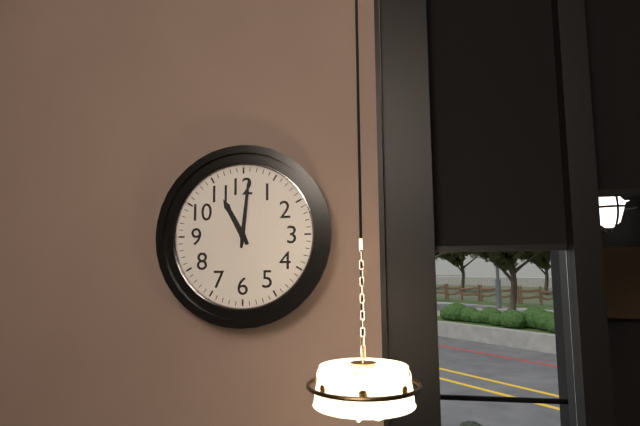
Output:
11 h 01 min
